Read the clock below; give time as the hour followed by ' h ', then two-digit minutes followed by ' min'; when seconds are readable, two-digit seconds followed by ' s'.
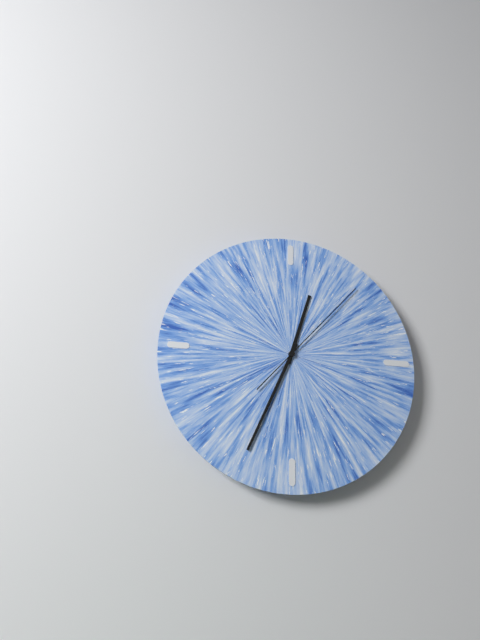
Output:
12 h 34 min 07 s
